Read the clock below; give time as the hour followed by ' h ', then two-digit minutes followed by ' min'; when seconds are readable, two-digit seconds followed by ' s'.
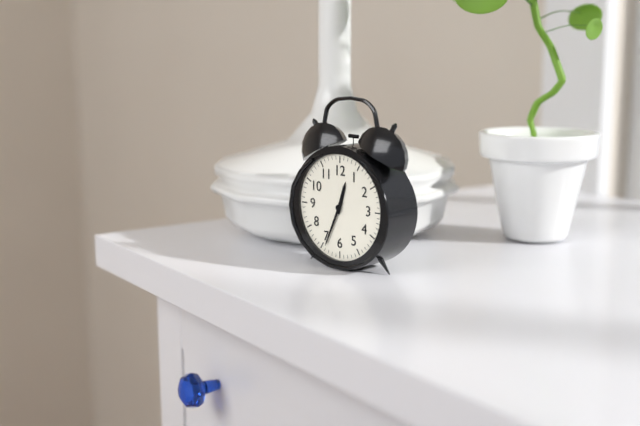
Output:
12 h 34 min
